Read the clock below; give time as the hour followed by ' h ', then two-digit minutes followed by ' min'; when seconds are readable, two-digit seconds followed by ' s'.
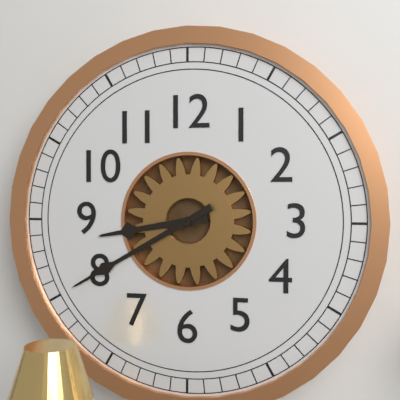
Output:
8 h 40 min
